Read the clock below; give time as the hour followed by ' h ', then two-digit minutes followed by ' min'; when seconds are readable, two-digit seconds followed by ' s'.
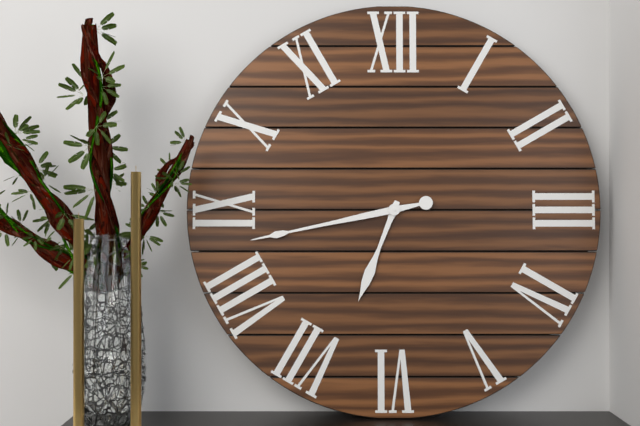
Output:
6 h 43 min
